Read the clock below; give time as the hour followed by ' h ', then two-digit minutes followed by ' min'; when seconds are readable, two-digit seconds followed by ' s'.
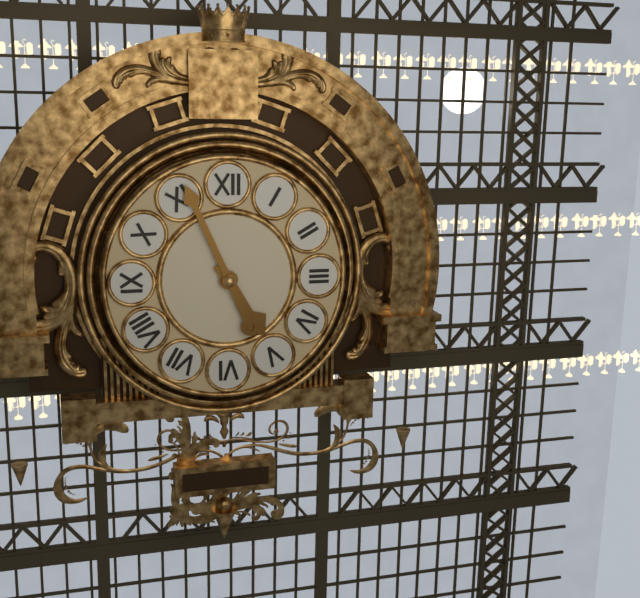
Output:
4 h 56 min
